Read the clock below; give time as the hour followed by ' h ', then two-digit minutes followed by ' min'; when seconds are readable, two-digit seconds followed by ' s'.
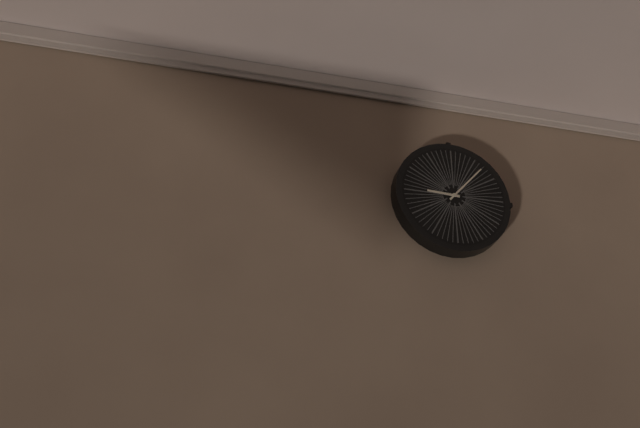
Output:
9 h 07 min
